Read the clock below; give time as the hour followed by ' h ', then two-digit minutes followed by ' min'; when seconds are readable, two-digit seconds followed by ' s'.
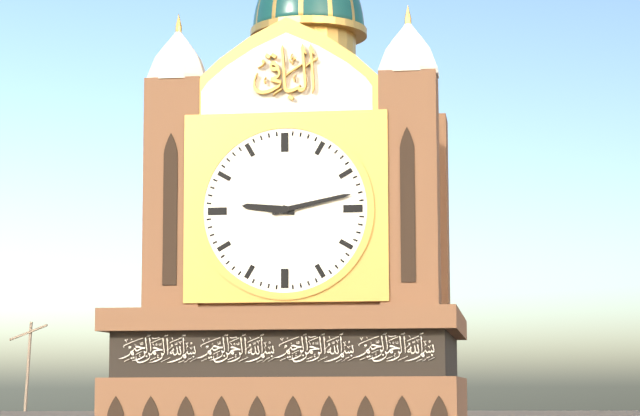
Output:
9 h 13 min
